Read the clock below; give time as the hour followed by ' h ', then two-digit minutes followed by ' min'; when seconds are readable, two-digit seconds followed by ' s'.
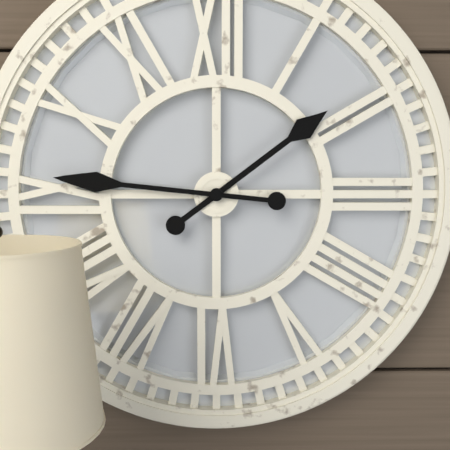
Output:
1 h 46 min
